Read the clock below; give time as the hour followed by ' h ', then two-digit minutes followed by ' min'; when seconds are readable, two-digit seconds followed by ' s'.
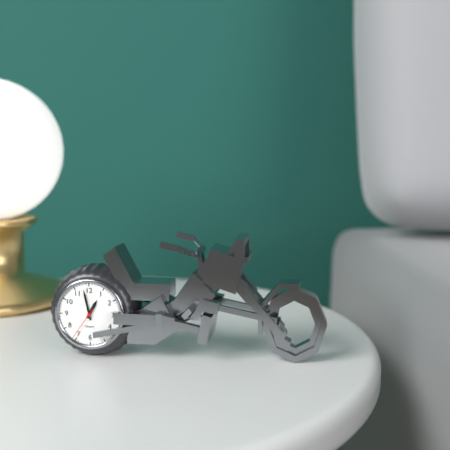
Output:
12 h 58 min
